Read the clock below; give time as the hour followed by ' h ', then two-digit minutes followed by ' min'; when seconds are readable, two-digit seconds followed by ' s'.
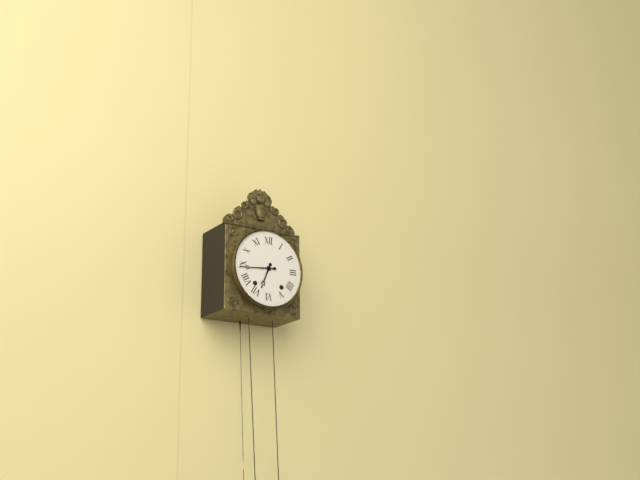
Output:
6 h 44 min
